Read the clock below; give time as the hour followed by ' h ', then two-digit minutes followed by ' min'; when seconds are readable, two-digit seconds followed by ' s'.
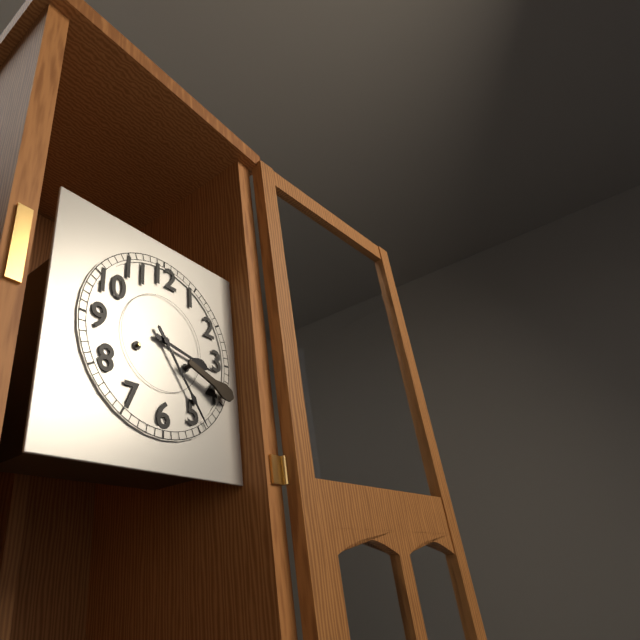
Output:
3 h 24 min
